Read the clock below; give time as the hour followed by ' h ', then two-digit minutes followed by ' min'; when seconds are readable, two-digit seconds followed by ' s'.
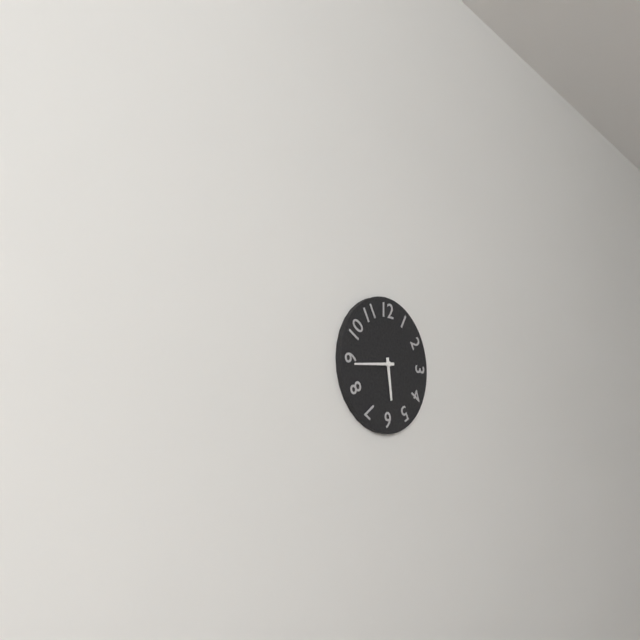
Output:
5 h 44 min
